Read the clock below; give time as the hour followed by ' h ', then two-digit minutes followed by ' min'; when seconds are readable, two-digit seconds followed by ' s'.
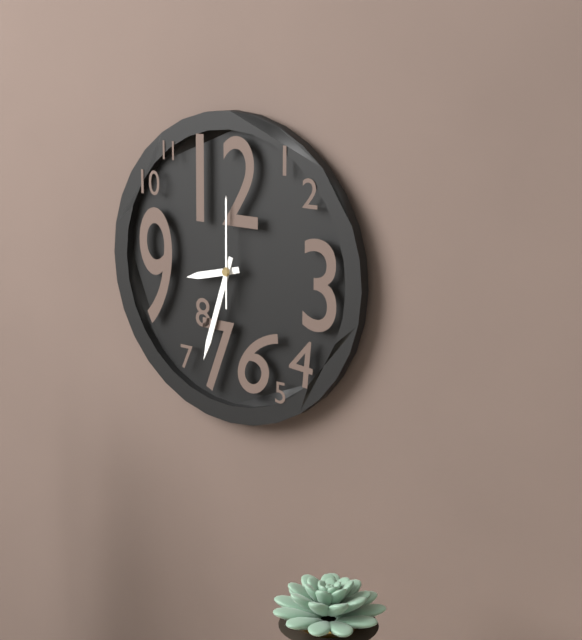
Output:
8 h 33 min 00 s
